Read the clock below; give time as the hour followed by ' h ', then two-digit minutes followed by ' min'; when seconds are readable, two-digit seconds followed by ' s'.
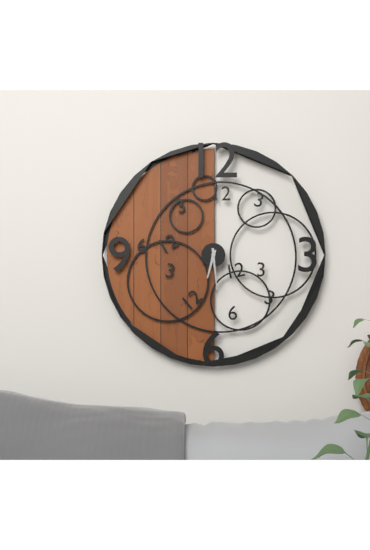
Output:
6 h 29 min
